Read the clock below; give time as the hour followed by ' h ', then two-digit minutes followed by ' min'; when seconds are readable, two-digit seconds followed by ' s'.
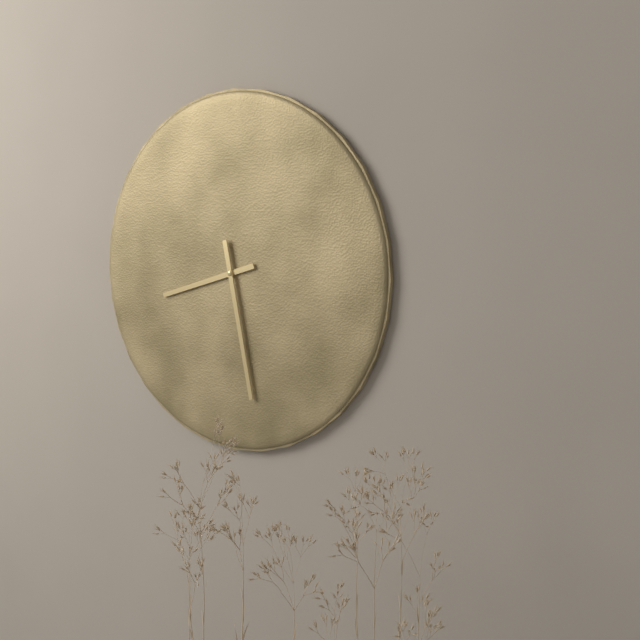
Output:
8 h 28 min
